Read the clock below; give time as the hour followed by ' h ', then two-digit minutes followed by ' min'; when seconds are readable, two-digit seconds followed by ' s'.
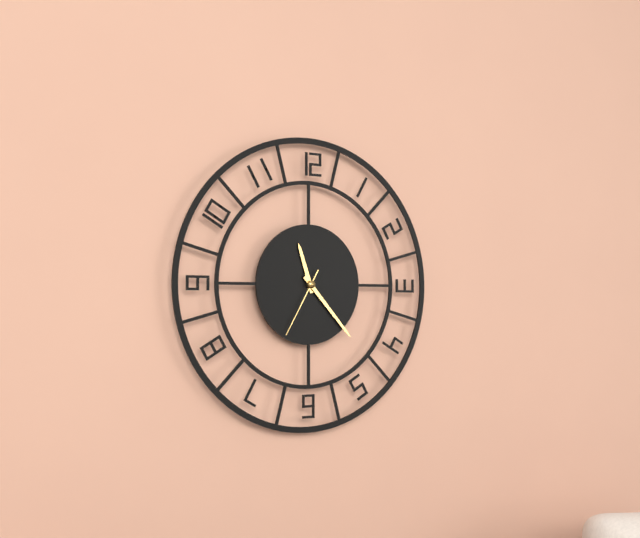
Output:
11 h 23 min 35 s
